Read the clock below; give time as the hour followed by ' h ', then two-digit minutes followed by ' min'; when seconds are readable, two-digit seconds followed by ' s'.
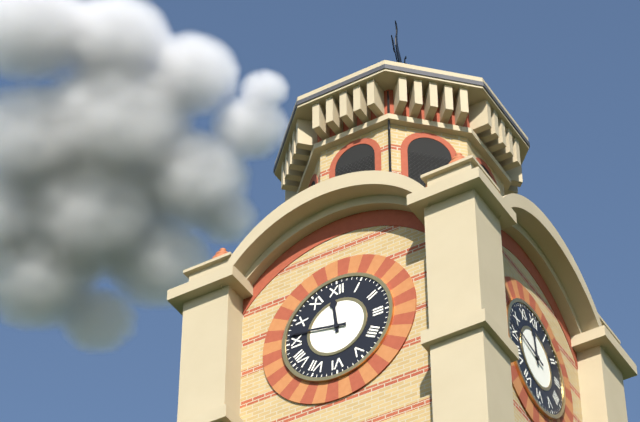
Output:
11 h 47 min
